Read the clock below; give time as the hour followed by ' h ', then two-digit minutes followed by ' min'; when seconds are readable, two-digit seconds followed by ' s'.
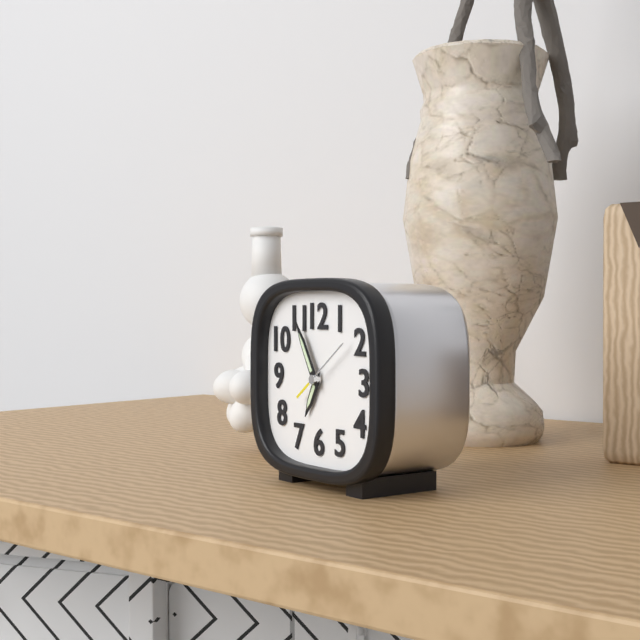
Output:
6 h 55 min 09 s
